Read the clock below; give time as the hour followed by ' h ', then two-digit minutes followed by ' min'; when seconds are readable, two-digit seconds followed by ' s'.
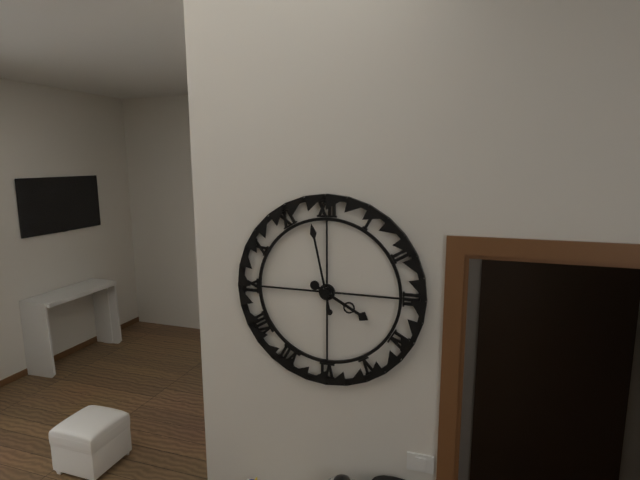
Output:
3 h 58 min
